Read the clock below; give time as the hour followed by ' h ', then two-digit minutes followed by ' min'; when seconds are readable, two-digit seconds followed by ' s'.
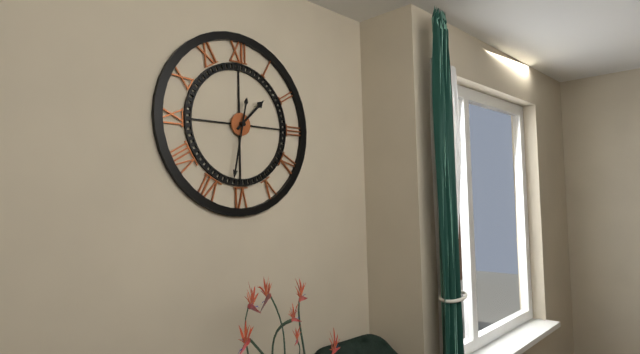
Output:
1 h 32 min
